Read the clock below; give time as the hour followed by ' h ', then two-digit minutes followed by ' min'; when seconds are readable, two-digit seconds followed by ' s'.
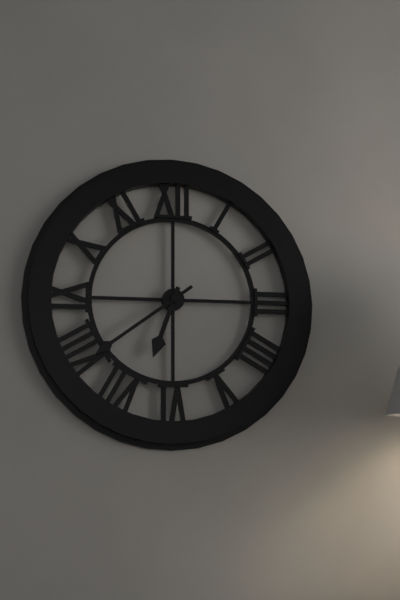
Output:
6 h 39 min
